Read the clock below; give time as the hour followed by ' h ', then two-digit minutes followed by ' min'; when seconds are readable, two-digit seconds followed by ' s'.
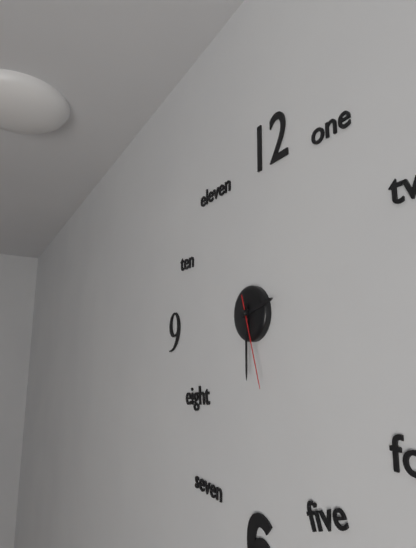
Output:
2 h 30 min 27 s
